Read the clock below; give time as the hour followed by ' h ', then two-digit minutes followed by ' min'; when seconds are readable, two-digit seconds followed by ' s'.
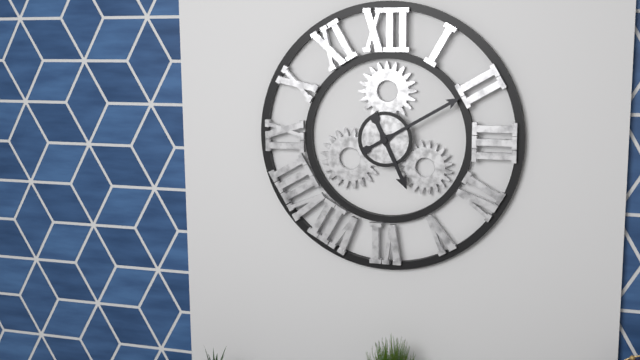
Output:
5 h 10 min
